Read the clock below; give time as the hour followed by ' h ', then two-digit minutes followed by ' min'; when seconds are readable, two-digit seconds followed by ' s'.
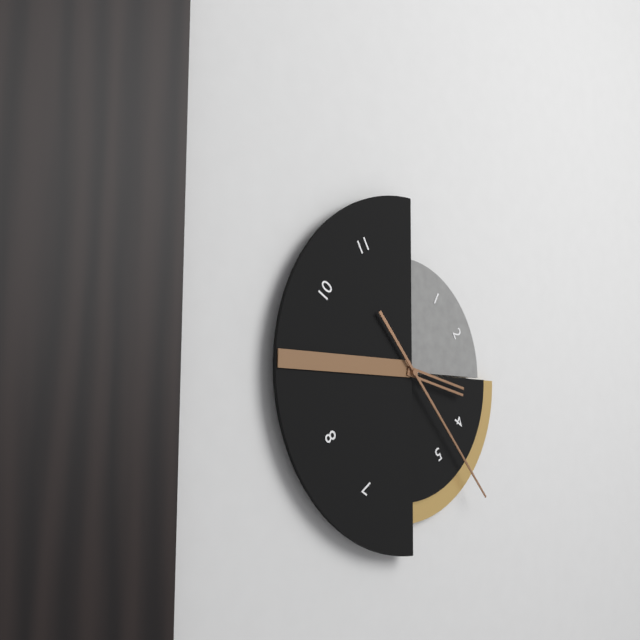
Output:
3 h 23 min
